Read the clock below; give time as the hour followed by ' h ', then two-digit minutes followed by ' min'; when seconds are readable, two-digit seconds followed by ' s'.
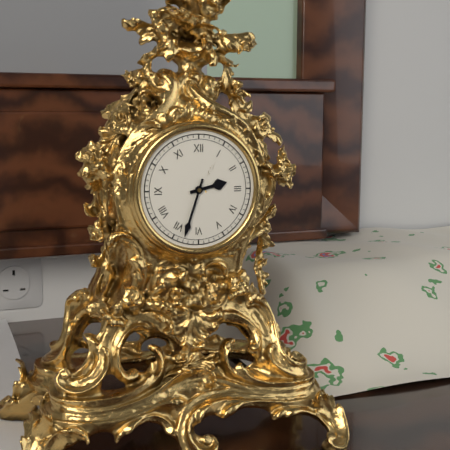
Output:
2 h 33 min
